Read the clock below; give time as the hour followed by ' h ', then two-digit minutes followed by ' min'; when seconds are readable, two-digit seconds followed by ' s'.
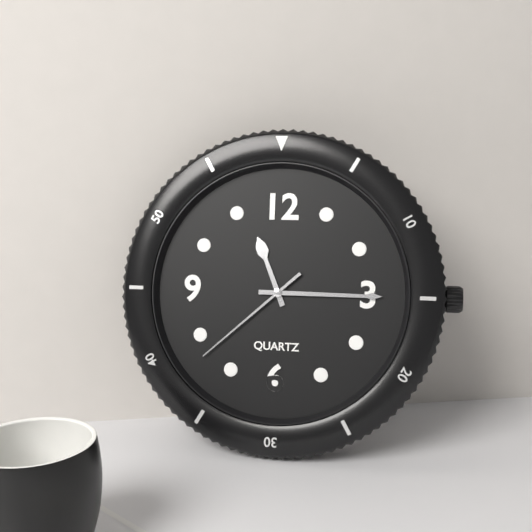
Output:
11 h 15 min 38 s
